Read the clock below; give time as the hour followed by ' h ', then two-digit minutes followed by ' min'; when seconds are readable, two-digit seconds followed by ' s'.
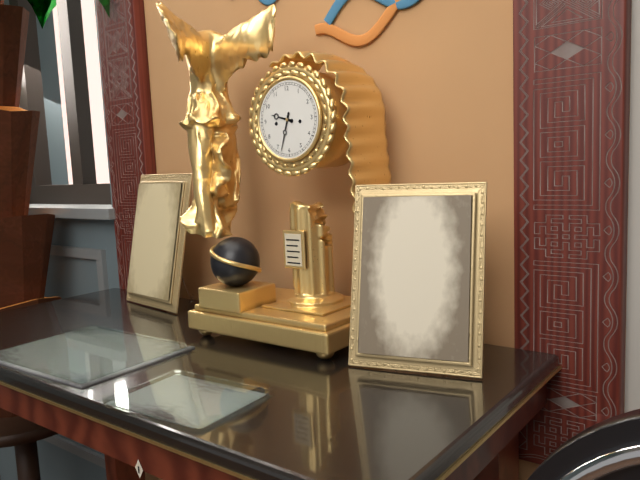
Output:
9 h 33 min
